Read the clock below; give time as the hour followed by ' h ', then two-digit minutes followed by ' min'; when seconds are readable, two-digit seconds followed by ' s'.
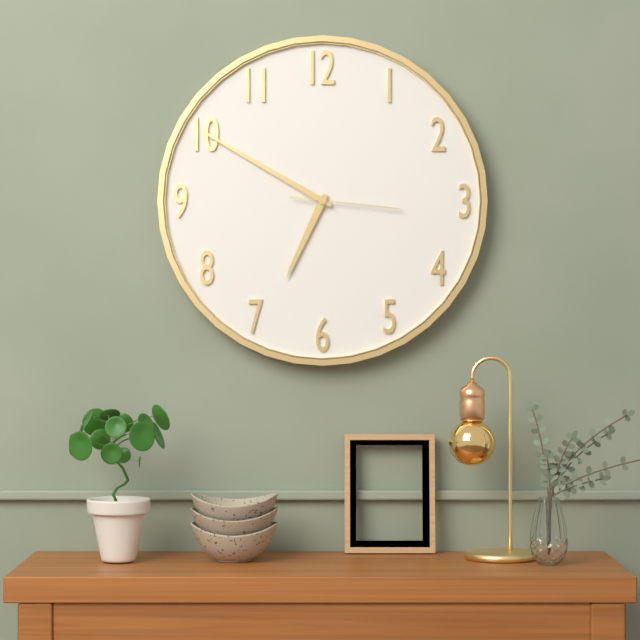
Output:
6 h 50 min 16 s
